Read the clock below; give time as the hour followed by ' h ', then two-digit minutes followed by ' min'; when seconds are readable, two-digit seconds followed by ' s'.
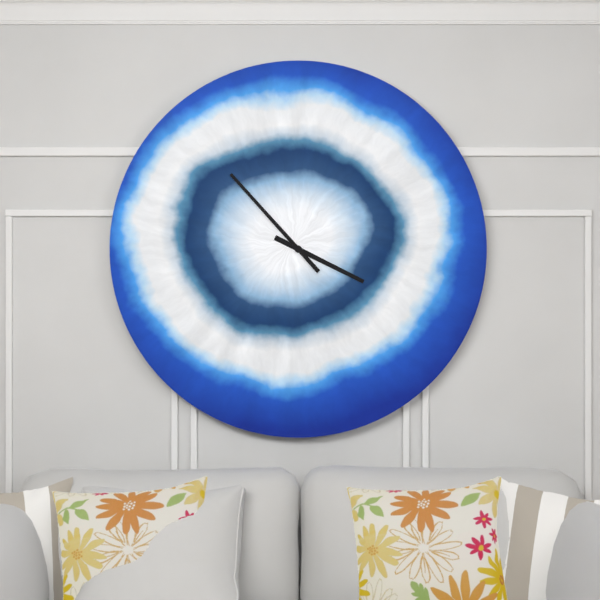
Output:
3 h 53 min
